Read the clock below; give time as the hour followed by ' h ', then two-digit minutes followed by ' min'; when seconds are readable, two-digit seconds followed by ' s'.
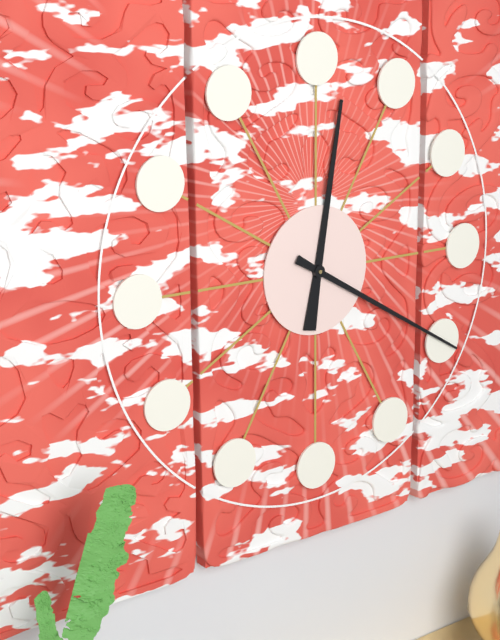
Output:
12 h 20 min
